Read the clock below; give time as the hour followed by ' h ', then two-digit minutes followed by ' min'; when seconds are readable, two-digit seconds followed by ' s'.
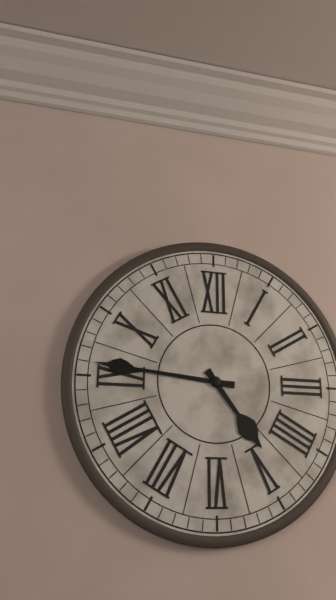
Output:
4 h 46 min
